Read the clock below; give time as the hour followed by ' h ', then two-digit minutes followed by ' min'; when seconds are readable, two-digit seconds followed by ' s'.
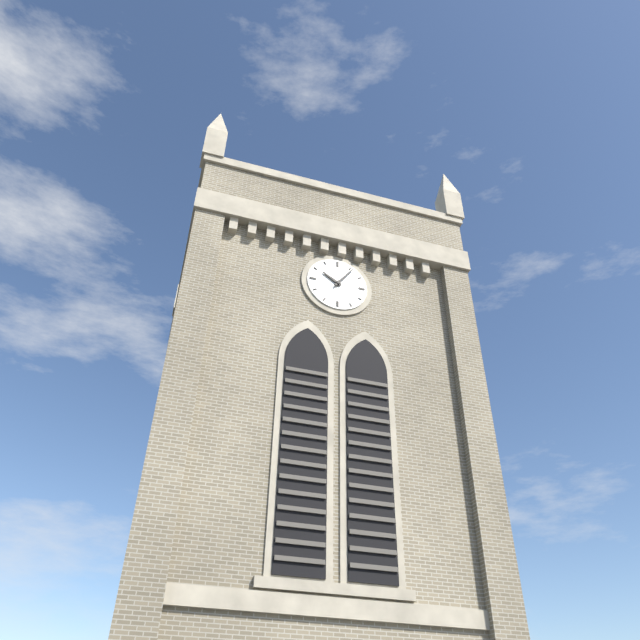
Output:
10 h 06 min
